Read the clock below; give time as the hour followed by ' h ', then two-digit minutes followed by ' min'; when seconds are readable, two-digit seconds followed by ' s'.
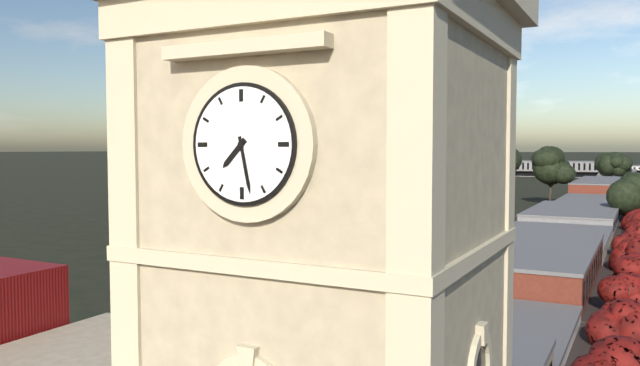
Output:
7 h 28 min
